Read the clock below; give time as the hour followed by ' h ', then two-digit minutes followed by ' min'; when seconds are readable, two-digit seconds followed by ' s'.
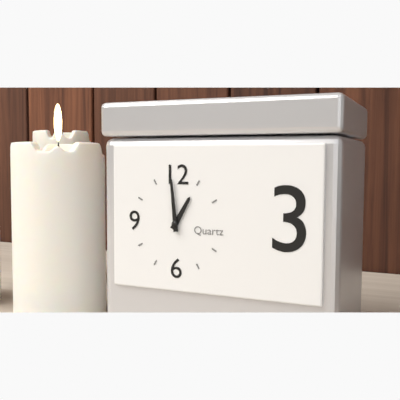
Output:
12 h 59 min
